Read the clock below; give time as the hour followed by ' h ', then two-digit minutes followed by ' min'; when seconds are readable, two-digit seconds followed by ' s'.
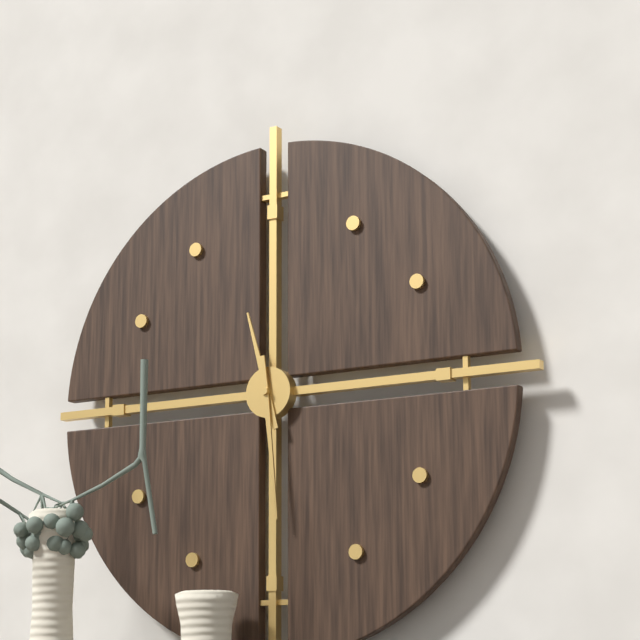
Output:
11 h 29 min
